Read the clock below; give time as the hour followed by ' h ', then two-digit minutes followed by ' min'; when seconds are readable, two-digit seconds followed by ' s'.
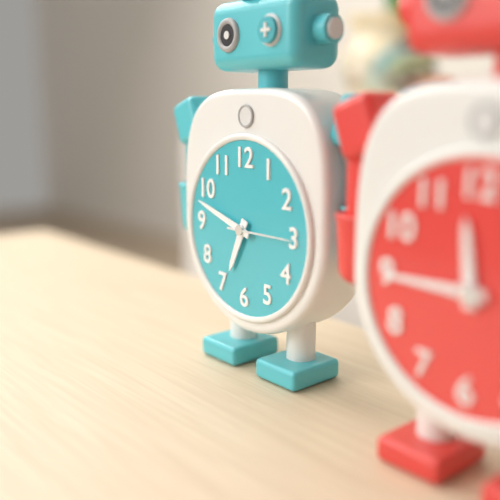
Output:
6 h 48 min 15 s
